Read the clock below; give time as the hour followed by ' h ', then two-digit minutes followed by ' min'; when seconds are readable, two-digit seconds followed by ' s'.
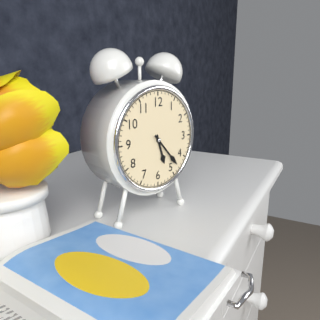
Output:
5 h 23 min
